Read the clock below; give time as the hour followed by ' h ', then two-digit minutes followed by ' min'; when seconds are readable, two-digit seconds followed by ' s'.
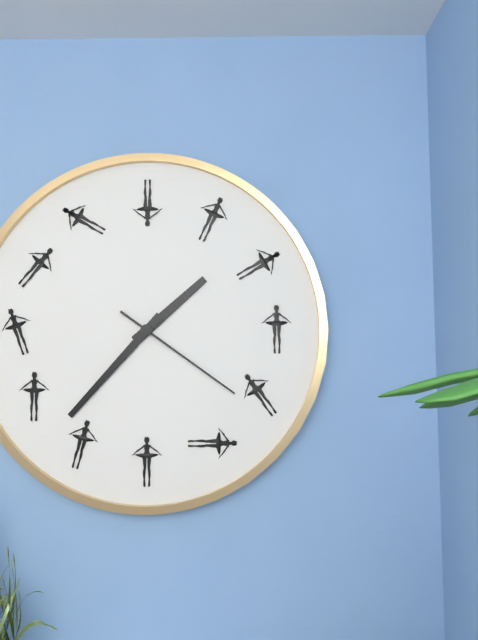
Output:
1 h 37 min 21 s
